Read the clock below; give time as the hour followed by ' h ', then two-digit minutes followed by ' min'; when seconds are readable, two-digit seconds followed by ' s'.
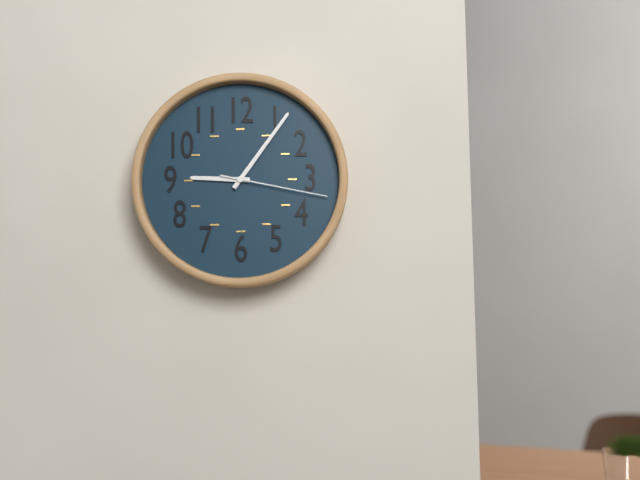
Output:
9 h 06 min 17 s
